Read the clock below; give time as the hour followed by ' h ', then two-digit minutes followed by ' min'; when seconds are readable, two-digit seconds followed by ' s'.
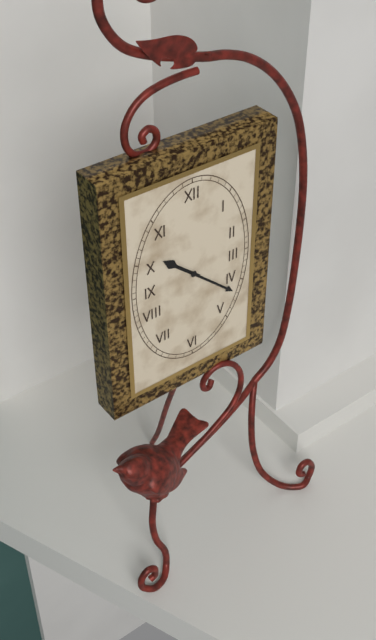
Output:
10 h 22 min
